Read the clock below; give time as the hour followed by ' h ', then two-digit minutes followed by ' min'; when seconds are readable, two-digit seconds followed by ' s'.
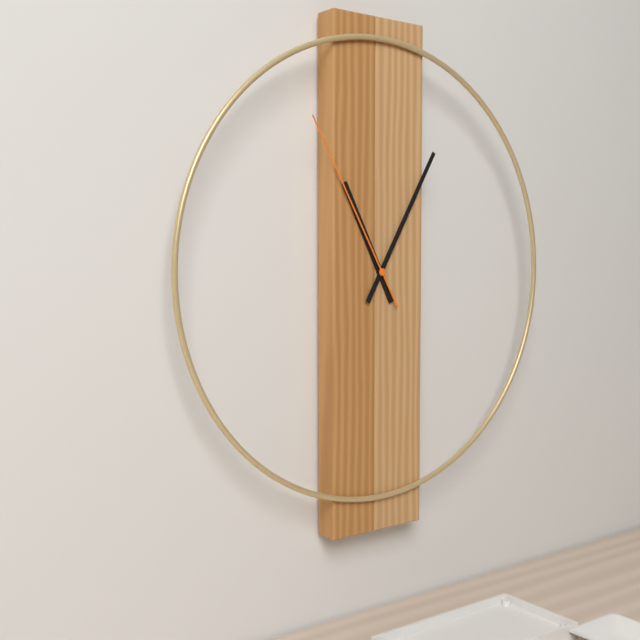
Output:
11 h 05 min 55 s
